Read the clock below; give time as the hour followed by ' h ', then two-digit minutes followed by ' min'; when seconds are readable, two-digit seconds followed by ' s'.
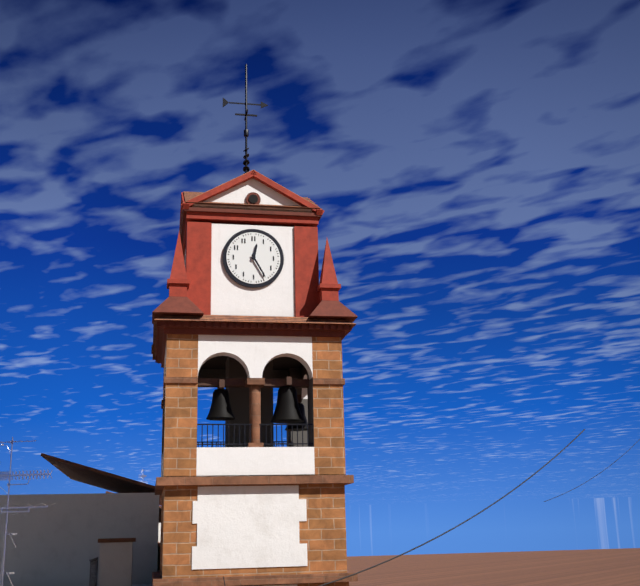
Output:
12 h 25 min
